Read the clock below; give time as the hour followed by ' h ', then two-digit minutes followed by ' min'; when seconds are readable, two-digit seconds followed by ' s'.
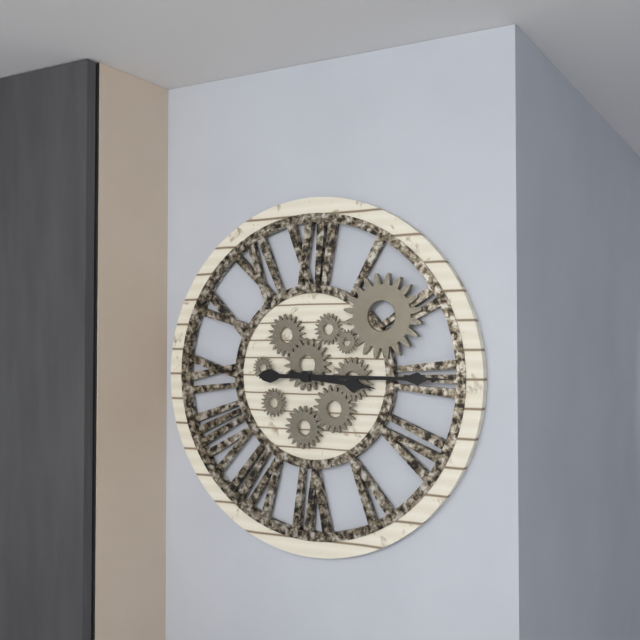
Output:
3 h 15 min
